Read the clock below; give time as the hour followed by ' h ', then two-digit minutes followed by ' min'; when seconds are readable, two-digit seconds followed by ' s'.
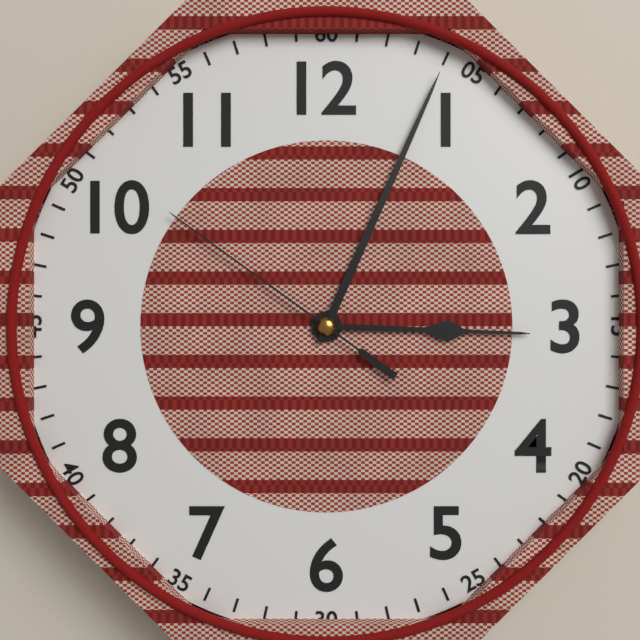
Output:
3 h 04 min 51 s
